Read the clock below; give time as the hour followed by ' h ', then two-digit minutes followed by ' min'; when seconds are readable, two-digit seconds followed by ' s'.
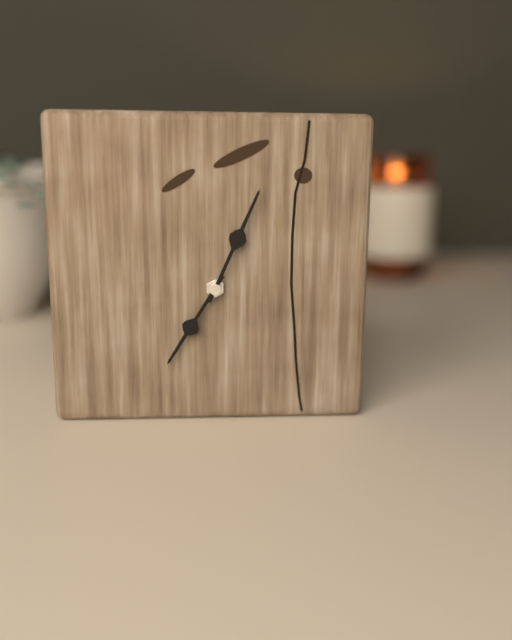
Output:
7 h 04 min
